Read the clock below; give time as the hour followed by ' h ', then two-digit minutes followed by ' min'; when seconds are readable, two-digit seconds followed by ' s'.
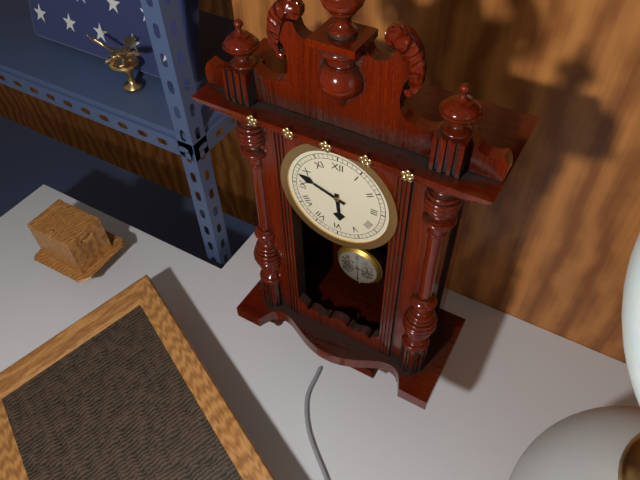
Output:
5 h 48 min
